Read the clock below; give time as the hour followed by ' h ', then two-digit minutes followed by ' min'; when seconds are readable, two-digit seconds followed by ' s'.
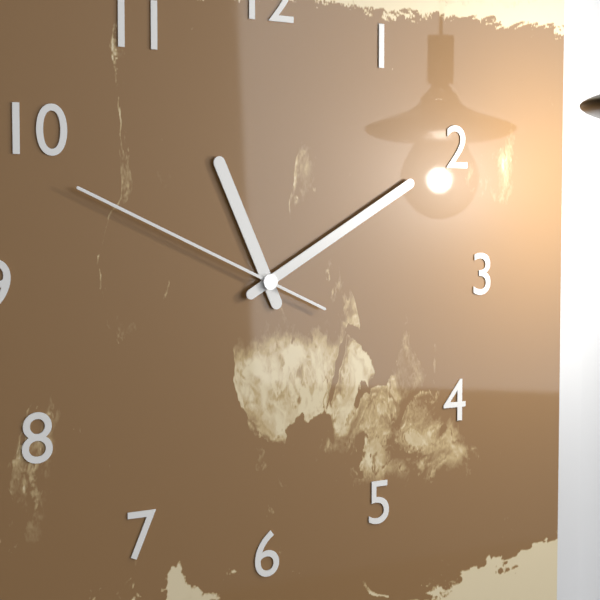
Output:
11 h 10 min 49 s
